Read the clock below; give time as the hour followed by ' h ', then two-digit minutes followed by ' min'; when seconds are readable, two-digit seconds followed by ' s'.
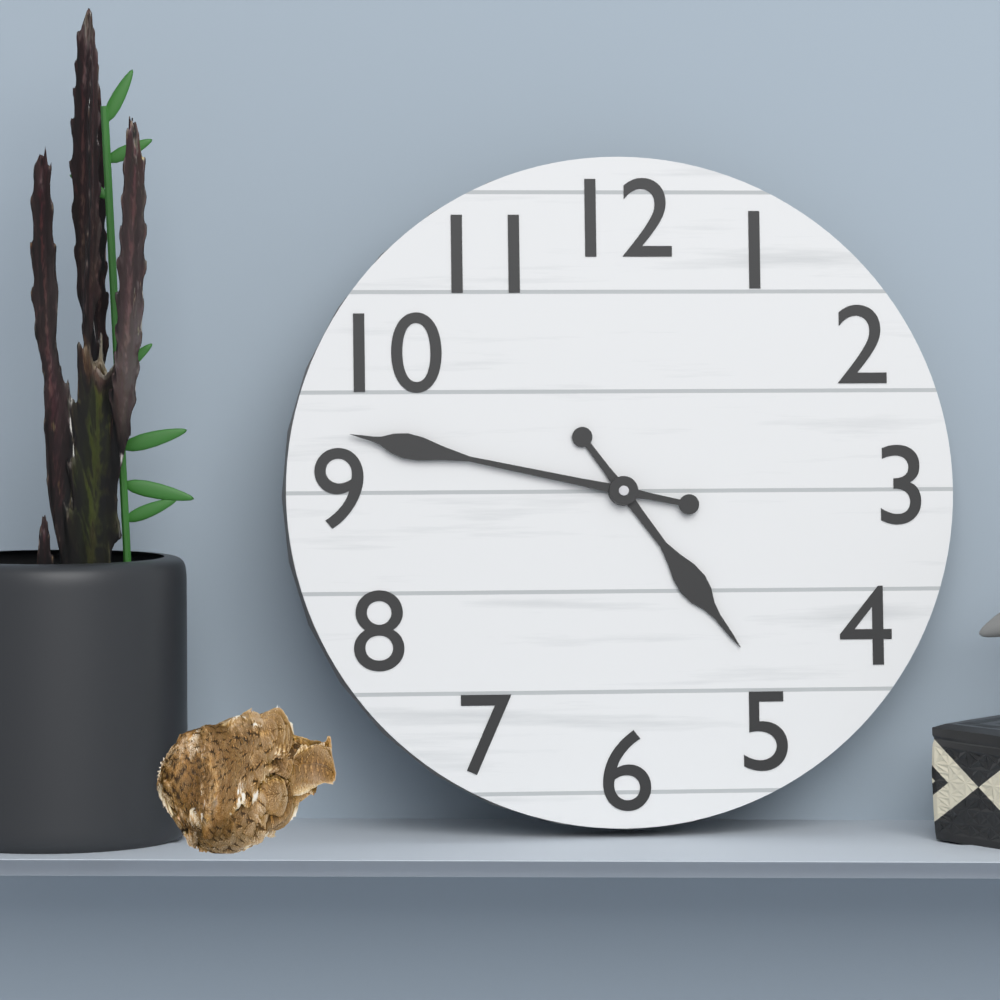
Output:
4 h 47 min
